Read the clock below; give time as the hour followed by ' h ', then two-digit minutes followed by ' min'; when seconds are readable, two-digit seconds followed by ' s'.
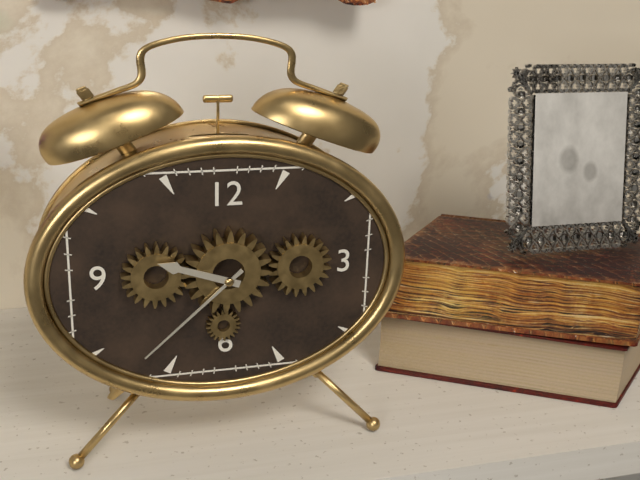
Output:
9 h 38 min
